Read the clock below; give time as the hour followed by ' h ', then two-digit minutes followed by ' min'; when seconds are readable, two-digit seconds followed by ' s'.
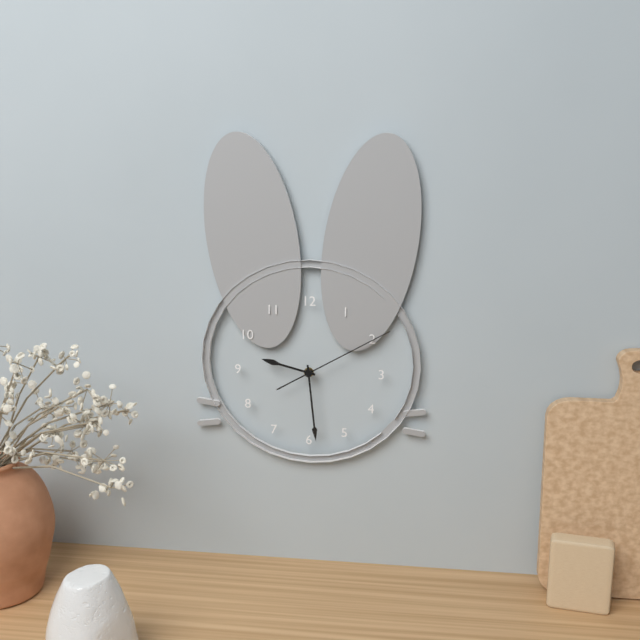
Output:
9 h 29 min 10 s
